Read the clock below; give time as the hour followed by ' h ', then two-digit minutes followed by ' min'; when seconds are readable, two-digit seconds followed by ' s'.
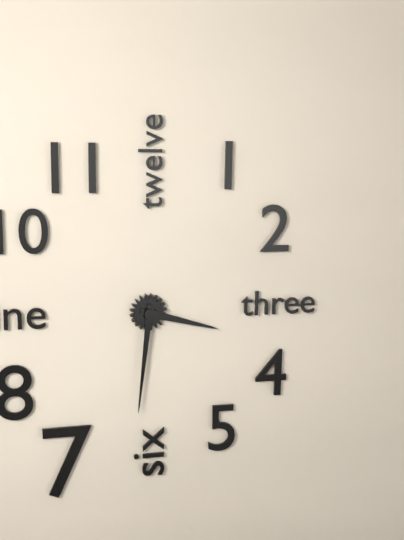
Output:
3 h 31 min
